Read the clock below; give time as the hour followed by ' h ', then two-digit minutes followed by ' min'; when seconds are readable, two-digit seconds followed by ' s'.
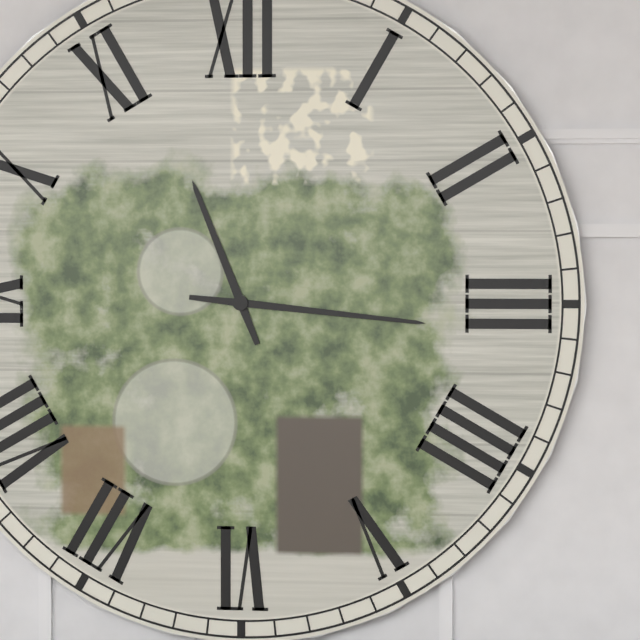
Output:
11 h 16 min
